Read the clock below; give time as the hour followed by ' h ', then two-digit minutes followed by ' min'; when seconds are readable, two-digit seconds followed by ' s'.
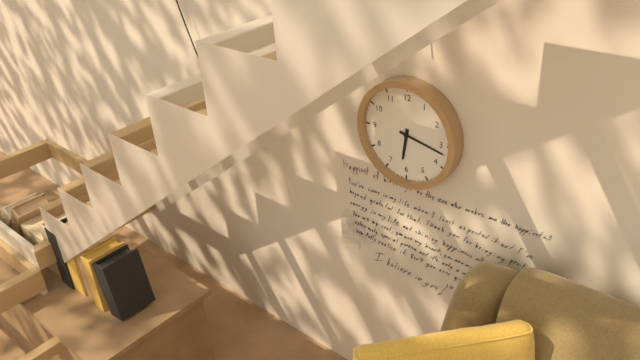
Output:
6 h 17 min
